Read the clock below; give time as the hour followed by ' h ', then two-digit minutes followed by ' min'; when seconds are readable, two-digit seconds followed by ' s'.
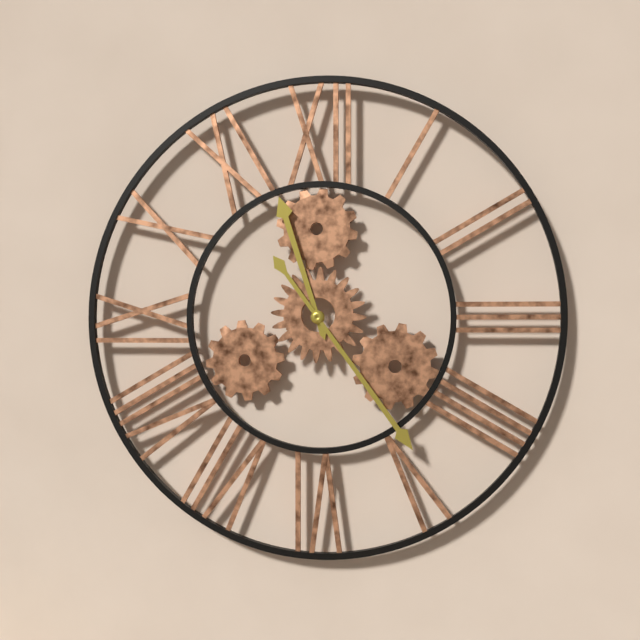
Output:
11 h 24 min
